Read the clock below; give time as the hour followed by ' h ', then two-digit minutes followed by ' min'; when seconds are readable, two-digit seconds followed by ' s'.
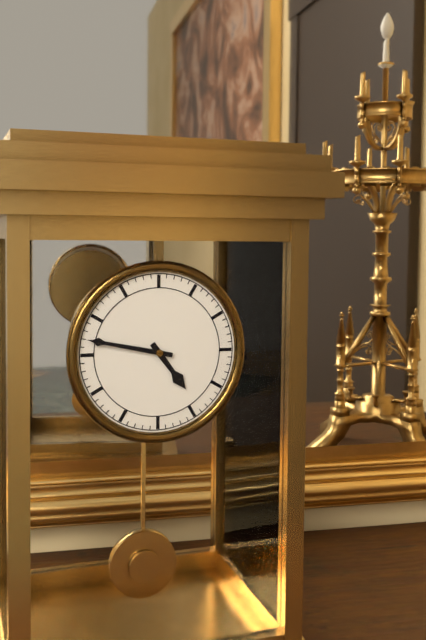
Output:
4 h 47 min
